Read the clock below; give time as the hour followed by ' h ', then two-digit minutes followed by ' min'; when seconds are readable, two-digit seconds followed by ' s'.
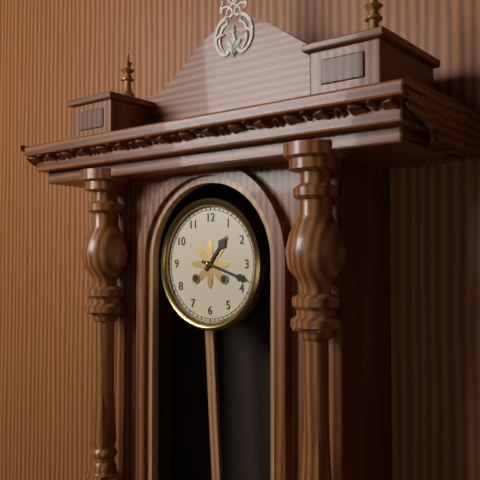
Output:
1 h 18 min
